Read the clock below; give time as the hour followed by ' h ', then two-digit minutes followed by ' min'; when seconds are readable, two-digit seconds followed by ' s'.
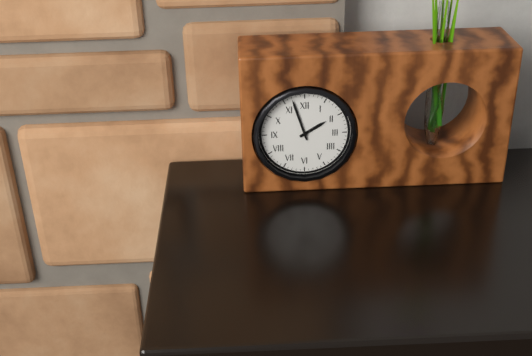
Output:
1 h 57 min
